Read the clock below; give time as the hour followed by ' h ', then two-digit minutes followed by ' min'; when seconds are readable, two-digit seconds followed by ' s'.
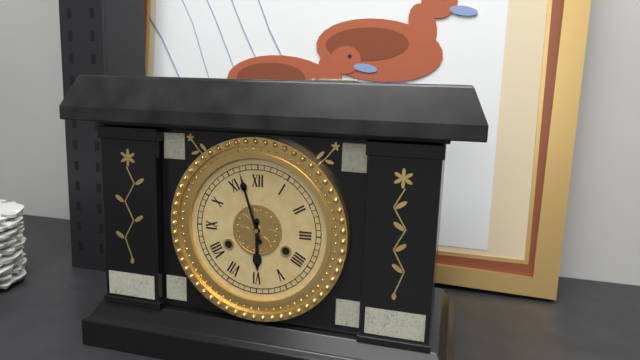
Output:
5 h 57 min
